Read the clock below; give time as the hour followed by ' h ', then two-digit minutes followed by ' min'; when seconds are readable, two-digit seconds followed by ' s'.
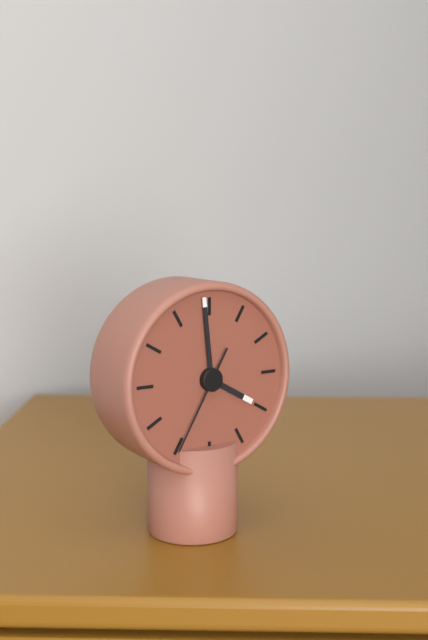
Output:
3 h 59 min 35 s
